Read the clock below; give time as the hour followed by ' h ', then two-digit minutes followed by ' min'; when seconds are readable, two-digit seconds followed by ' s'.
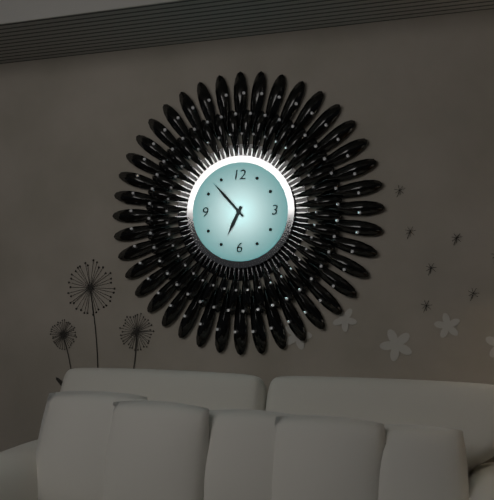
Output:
6 h 53 min
